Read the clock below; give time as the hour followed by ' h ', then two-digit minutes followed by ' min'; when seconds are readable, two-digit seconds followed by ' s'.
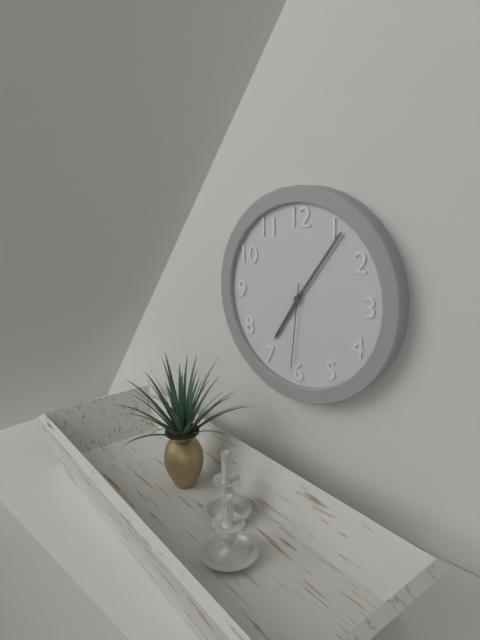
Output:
7 h 06 min 31 s
